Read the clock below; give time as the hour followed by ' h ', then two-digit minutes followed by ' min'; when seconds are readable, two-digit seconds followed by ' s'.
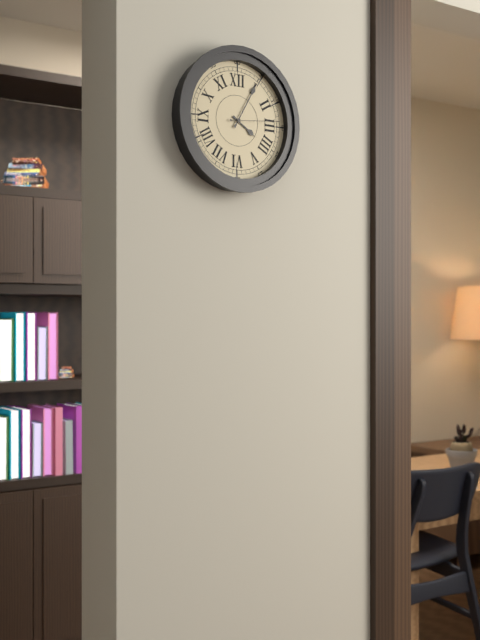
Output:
4 h 05 min 14 s
